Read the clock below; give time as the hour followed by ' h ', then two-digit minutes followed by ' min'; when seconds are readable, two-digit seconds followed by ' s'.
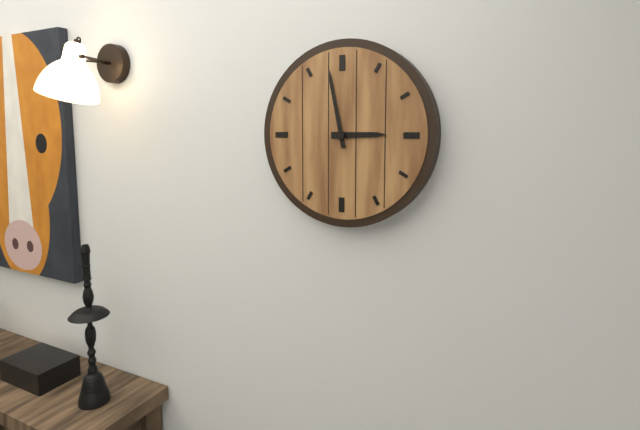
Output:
2 h 58 min
